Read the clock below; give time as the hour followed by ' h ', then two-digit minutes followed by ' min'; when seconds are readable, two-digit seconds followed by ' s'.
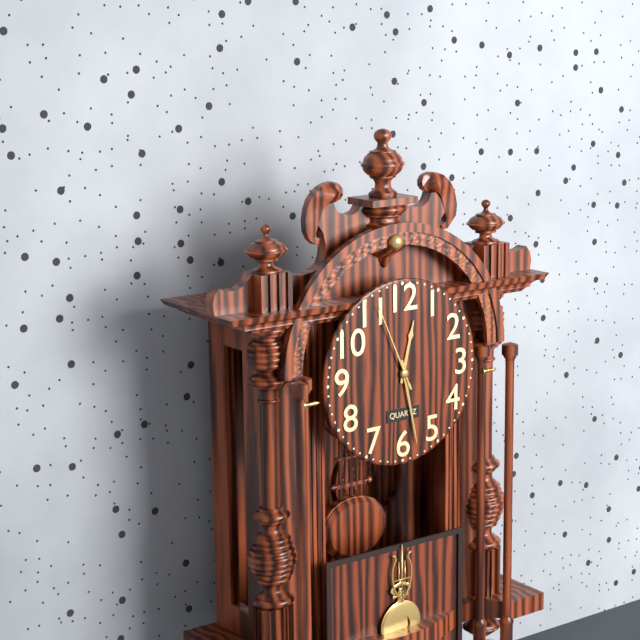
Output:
12 h 28 min 56 s
